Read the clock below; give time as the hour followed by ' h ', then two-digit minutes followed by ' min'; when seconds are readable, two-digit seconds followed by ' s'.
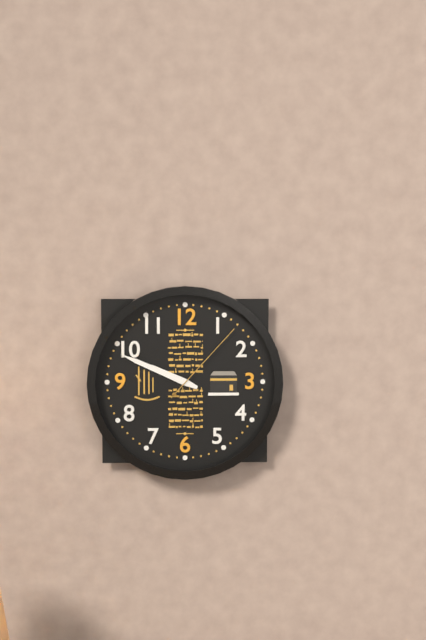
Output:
9 h 49 min 07 s
